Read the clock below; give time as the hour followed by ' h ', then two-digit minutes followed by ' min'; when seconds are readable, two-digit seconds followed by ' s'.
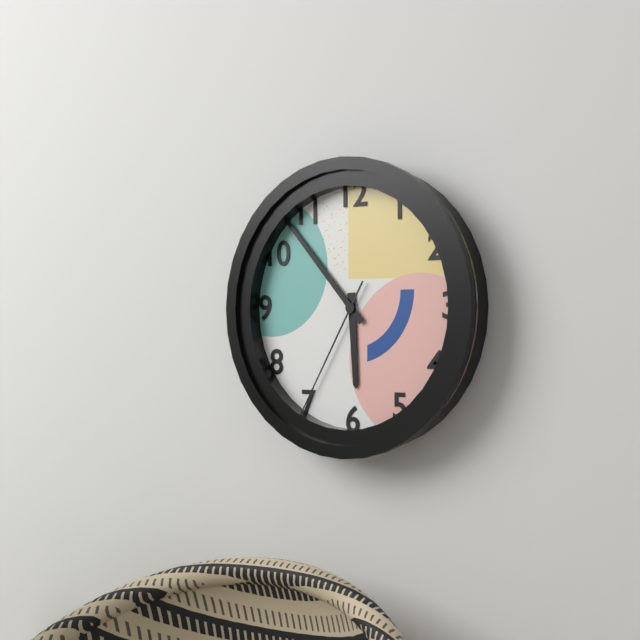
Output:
5 h 53 min 35 s
